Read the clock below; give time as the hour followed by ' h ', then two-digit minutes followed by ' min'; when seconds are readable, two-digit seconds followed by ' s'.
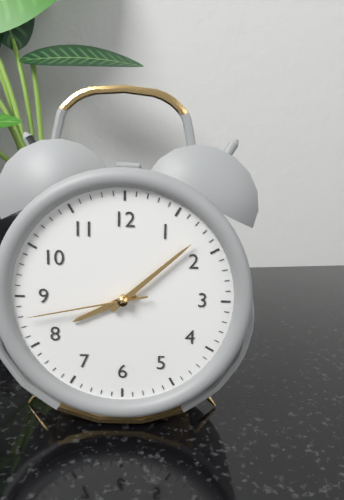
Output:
8 h 08 min 43 s
